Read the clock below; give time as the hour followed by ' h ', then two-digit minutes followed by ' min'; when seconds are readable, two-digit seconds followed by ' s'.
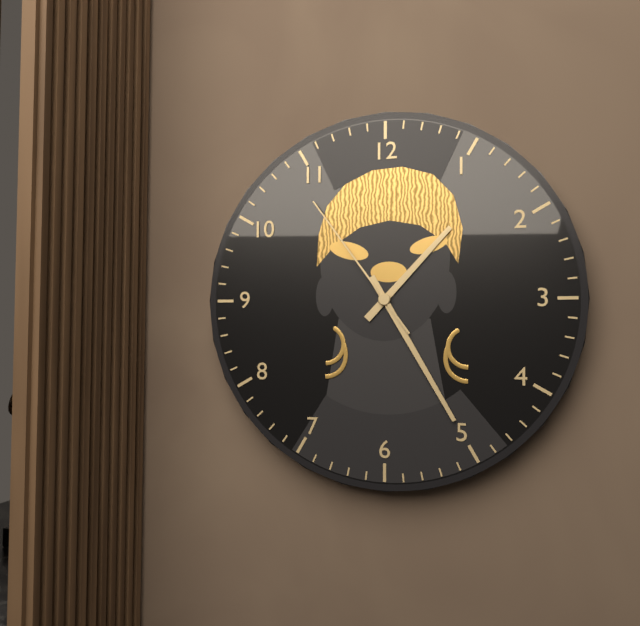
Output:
1 h 25 min 54 s
